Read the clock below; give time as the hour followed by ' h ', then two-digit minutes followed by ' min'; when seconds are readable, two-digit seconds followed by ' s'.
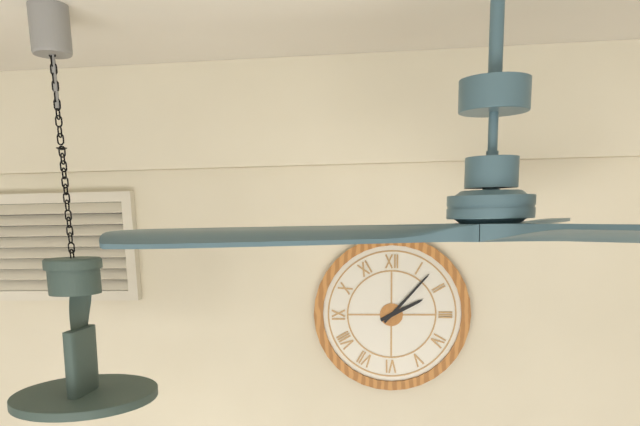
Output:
2 h 07 min
